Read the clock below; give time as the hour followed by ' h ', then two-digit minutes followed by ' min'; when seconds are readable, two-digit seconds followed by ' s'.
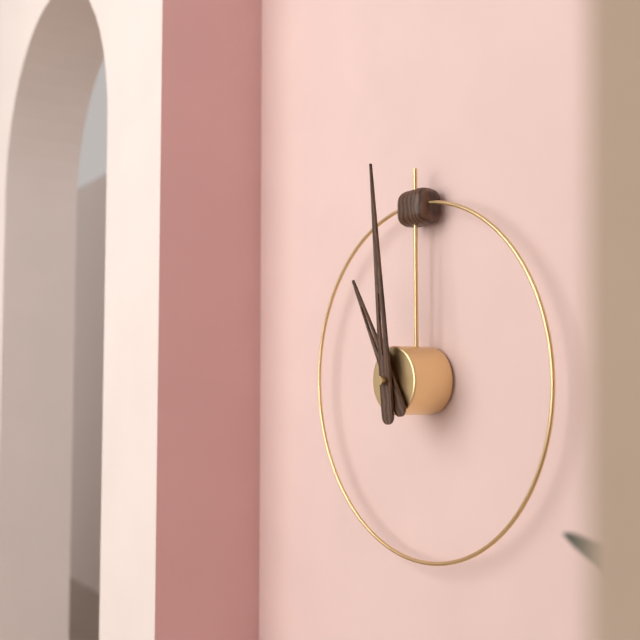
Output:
10 h 59 min
